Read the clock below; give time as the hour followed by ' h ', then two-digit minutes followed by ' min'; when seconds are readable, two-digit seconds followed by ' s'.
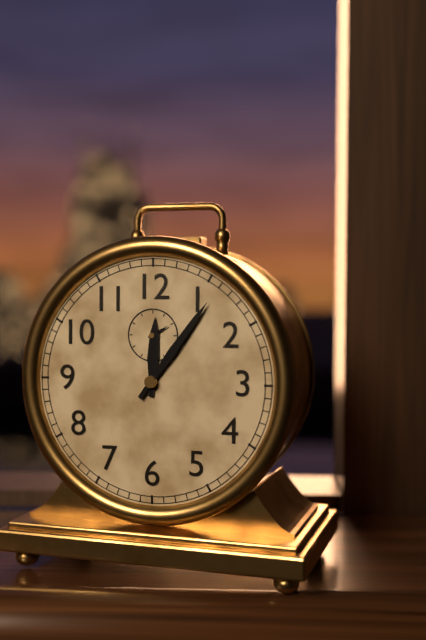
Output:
12 h 06 min
